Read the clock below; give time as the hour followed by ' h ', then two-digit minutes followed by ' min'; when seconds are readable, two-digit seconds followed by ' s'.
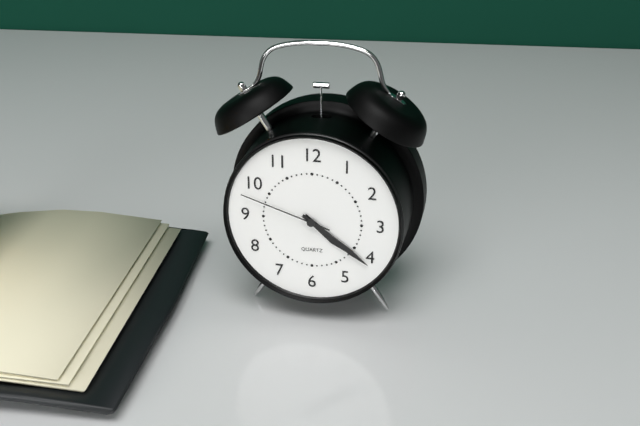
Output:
4 h 21 min 48 s
